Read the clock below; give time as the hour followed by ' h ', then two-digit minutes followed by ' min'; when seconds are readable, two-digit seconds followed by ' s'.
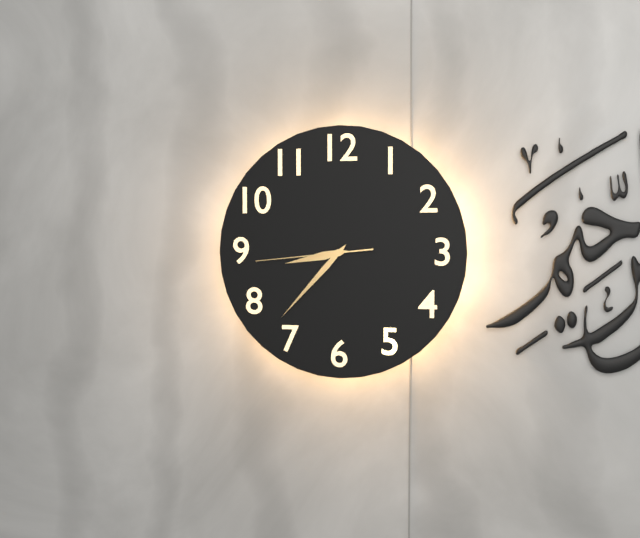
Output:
8 h 37 min 44 s
